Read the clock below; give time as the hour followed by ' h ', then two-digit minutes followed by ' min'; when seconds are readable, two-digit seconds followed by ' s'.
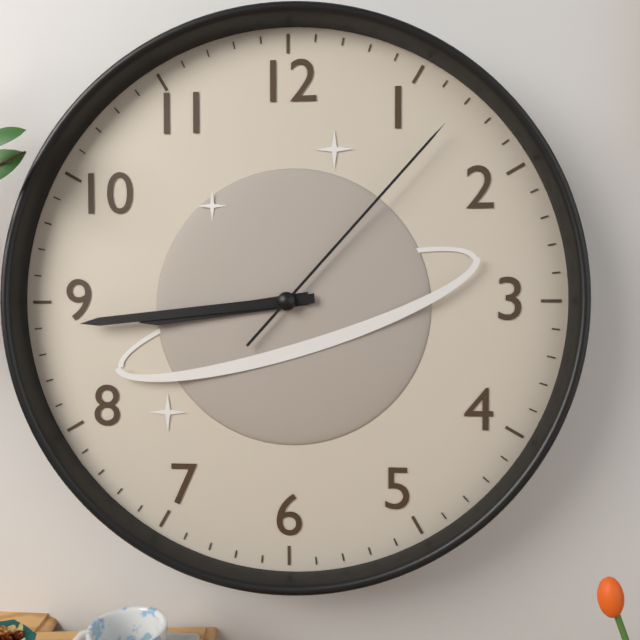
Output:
8 h 44 min 07 s
